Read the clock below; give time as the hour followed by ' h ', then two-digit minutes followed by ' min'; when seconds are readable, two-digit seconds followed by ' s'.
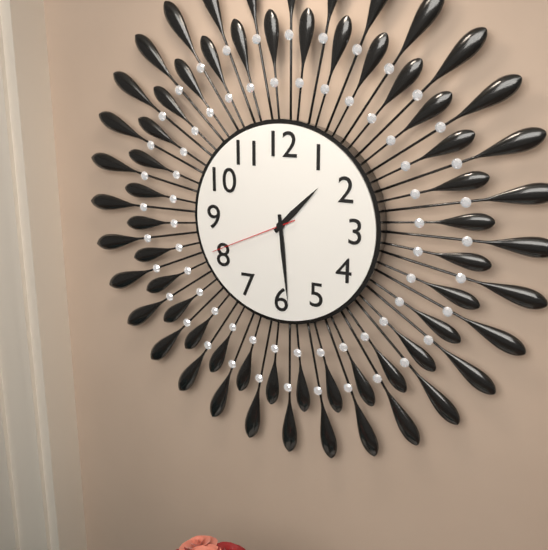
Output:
1 h 29 min 41 s
